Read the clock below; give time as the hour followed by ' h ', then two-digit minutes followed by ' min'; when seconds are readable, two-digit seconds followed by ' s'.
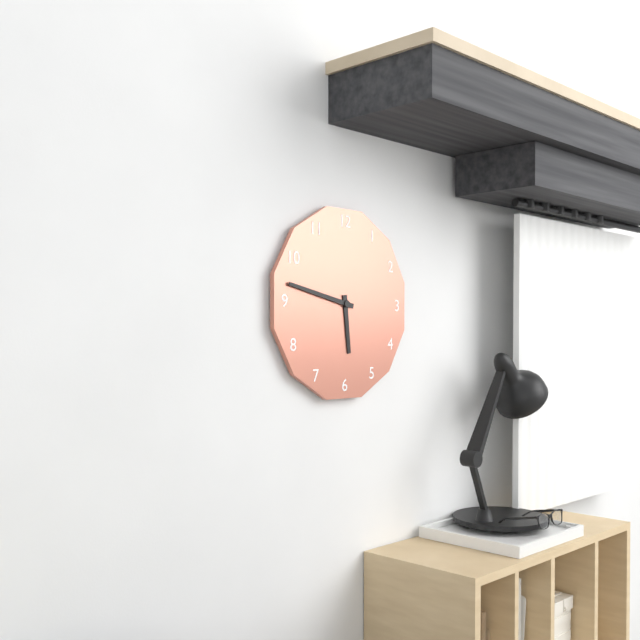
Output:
5 h 47 min
